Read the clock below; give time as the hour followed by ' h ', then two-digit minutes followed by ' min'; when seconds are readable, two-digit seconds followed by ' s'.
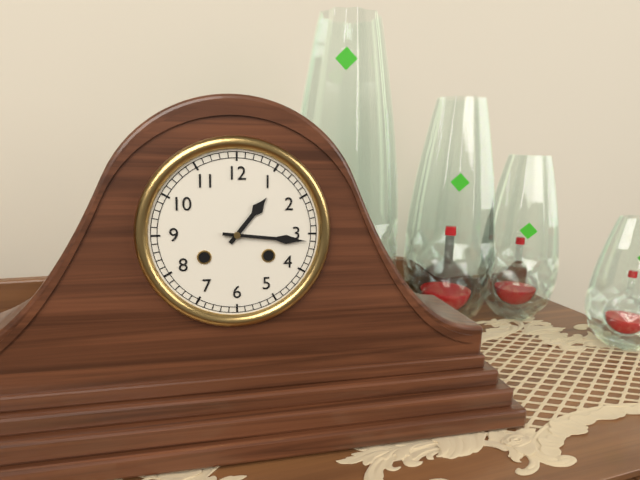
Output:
1 h 16 min
